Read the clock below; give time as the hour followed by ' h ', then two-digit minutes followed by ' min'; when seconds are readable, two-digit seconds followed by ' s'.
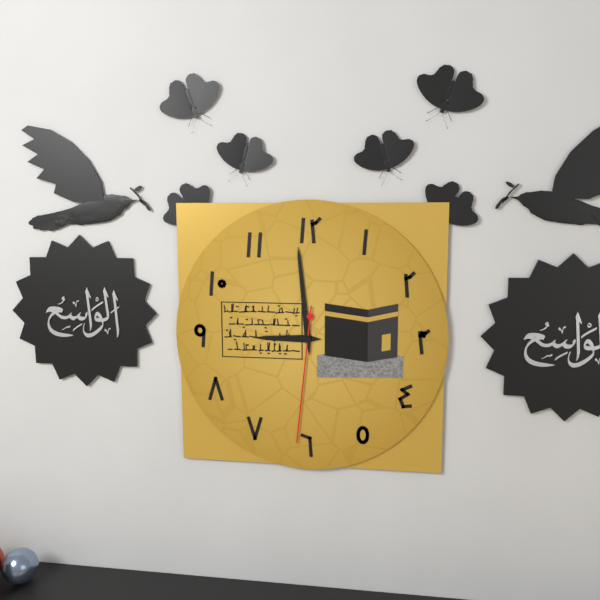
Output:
8 h 59 min 31 s
